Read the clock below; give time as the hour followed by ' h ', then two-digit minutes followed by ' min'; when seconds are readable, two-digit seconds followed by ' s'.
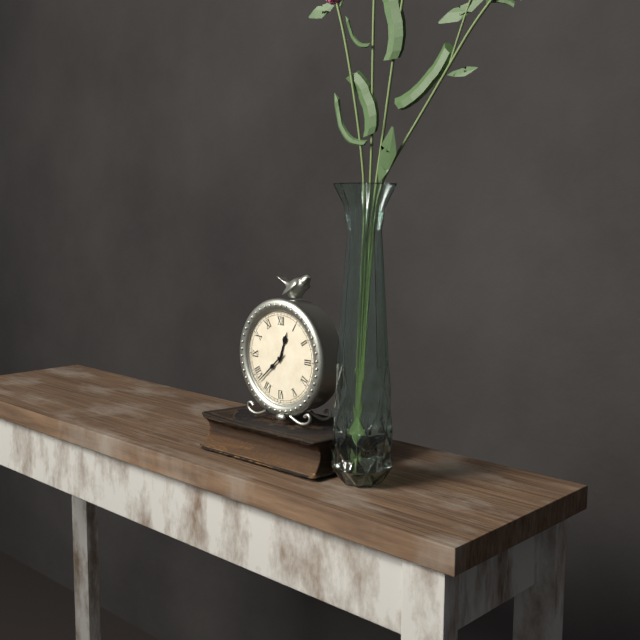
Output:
12 h 38 min
